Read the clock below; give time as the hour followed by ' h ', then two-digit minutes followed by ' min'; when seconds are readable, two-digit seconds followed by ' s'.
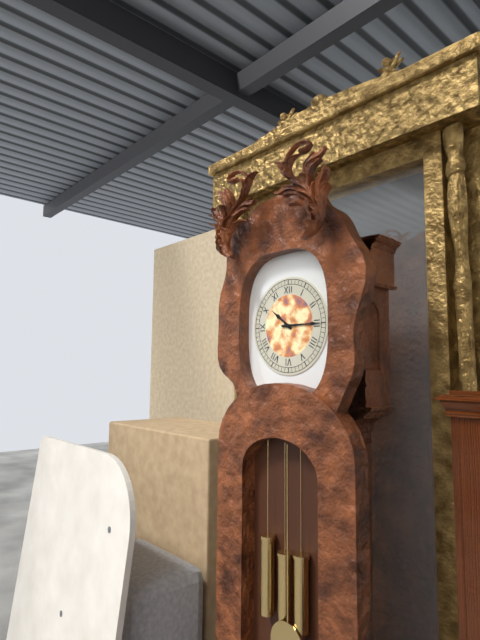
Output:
10 h 15 min
